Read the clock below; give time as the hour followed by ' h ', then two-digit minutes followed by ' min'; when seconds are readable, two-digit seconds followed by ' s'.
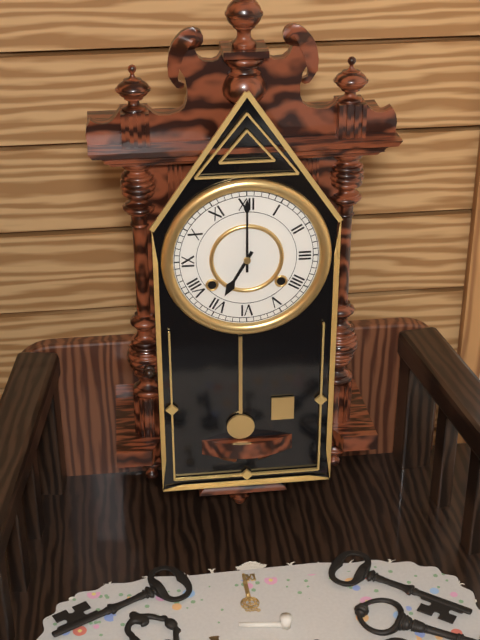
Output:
7 h 00 min
